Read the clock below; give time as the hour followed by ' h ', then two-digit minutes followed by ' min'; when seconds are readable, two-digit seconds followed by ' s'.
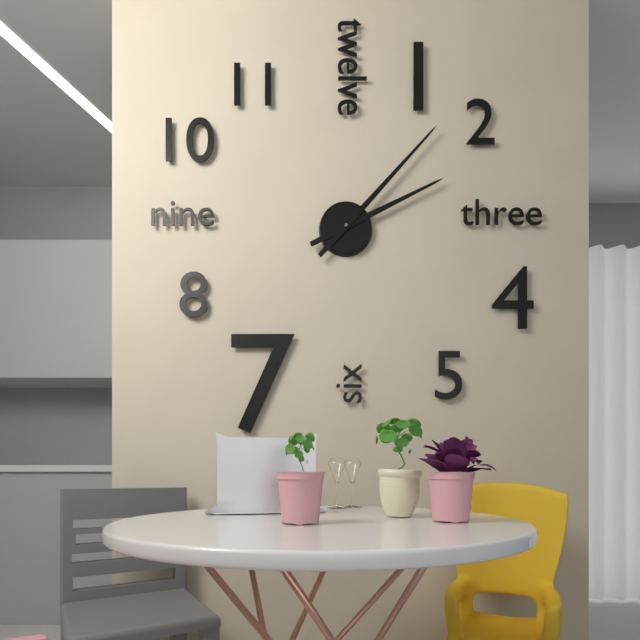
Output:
2 h 07 min
